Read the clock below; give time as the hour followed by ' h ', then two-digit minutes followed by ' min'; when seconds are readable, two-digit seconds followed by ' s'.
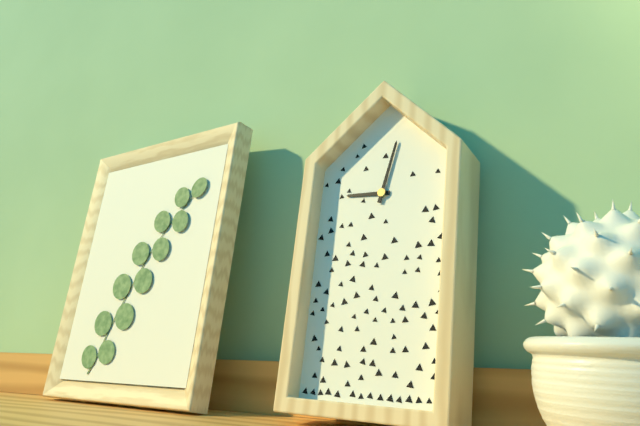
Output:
9 h 02 min
